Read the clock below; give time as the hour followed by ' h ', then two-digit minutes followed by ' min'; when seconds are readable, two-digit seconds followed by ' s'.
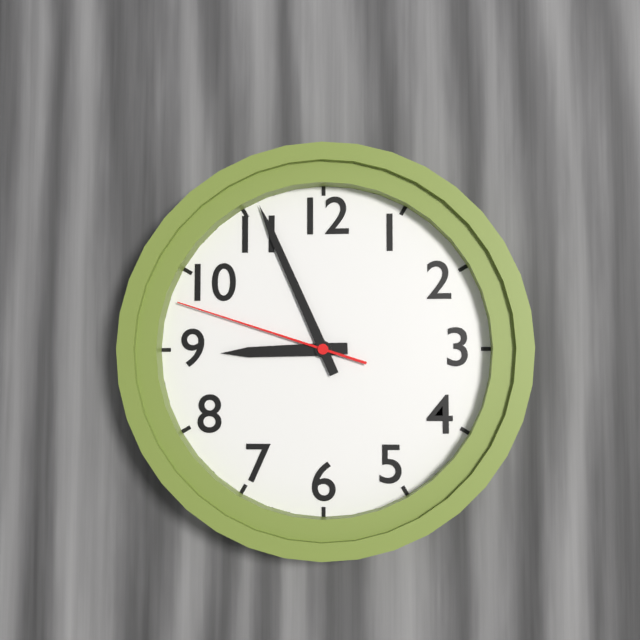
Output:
8 h 56 min 48 s
